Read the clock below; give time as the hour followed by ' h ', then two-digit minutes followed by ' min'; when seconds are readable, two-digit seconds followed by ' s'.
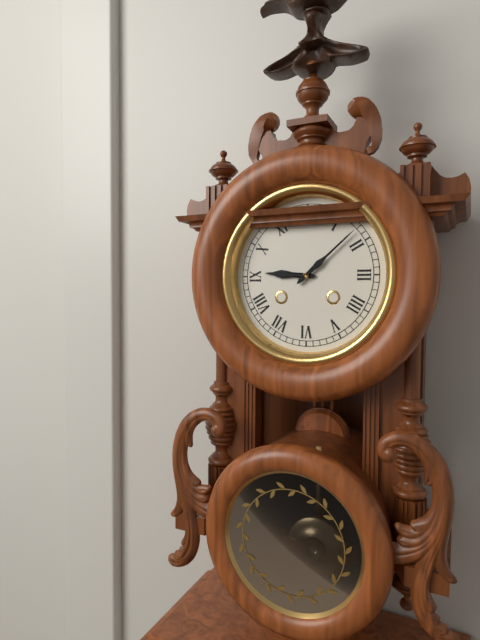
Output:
9 h 08 min
